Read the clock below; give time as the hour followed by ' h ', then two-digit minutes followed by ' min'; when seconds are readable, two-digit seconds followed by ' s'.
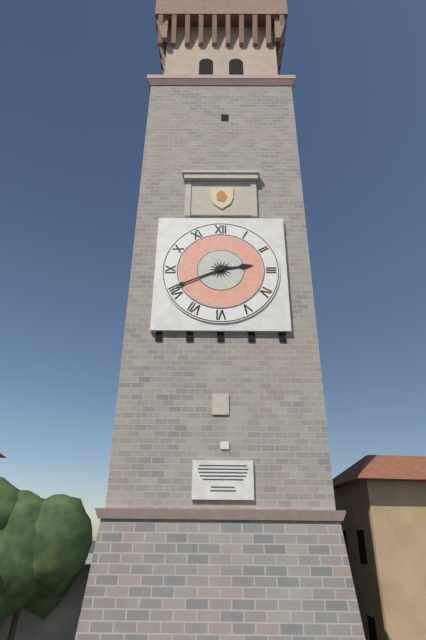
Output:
2 h 41 min
